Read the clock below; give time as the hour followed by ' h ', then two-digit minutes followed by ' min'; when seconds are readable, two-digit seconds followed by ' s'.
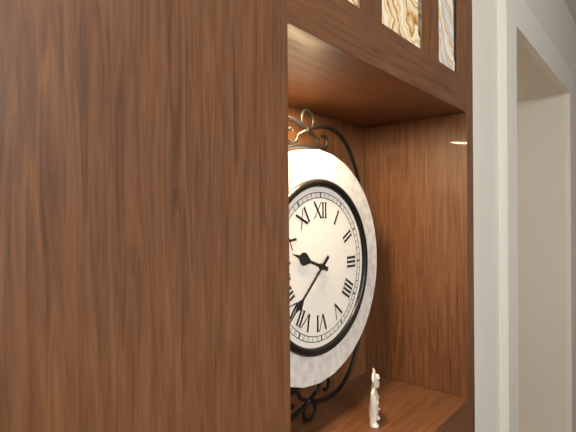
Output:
9 h 38 min
